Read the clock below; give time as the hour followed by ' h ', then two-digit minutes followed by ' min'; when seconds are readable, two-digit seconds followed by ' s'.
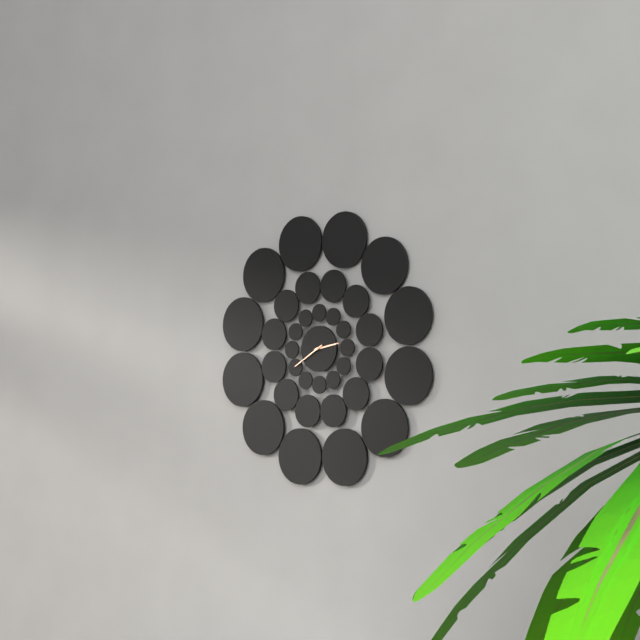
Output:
2 h 40 min
